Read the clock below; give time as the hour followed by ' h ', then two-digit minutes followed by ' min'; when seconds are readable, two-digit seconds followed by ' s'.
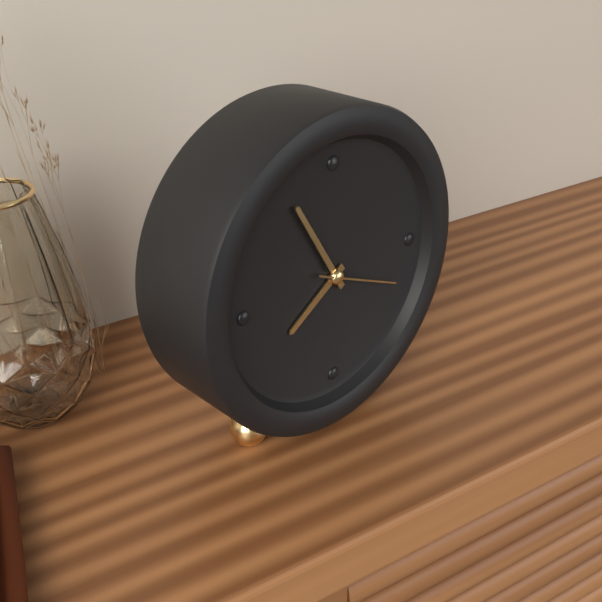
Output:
7 h 55 min 19 s
